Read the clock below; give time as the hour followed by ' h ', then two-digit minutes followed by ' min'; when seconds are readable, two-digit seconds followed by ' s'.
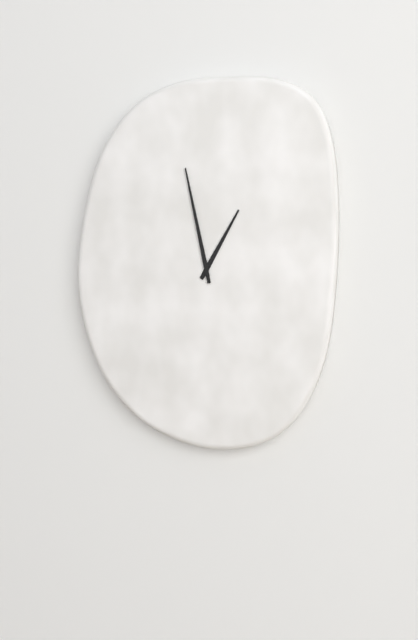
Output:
12 h 58 min
